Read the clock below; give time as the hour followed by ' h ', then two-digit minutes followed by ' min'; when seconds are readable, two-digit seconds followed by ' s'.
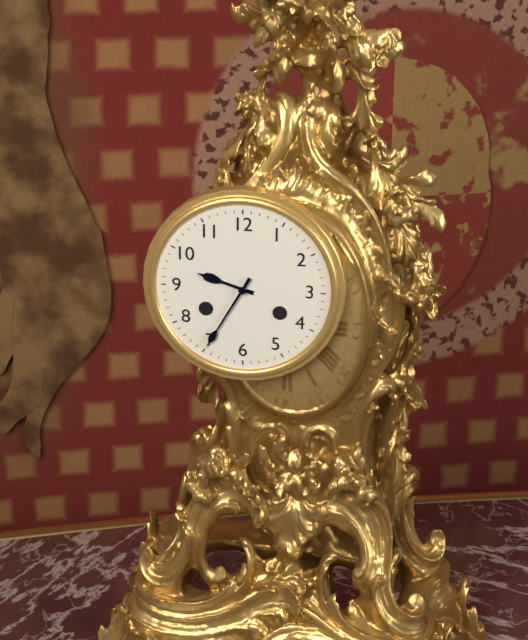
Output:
9 h 35 min
